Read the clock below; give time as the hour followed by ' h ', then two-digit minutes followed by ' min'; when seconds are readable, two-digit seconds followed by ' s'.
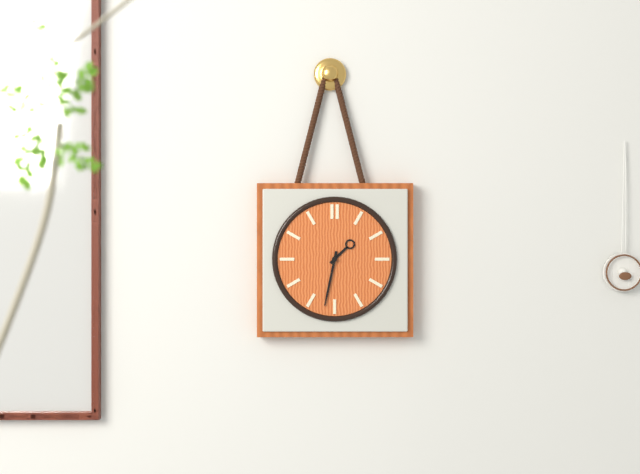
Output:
1 h 32 min
